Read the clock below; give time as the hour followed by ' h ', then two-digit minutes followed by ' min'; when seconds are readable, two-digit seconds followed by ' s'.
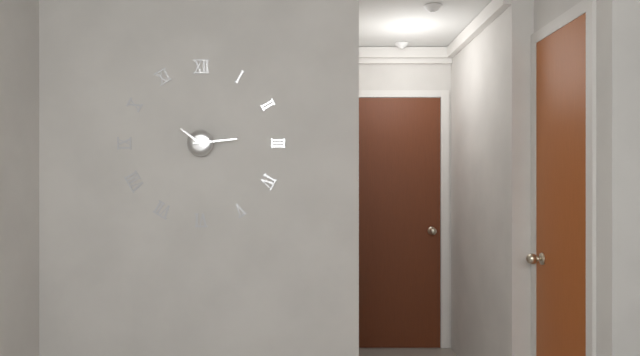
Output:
10 h 14 min
